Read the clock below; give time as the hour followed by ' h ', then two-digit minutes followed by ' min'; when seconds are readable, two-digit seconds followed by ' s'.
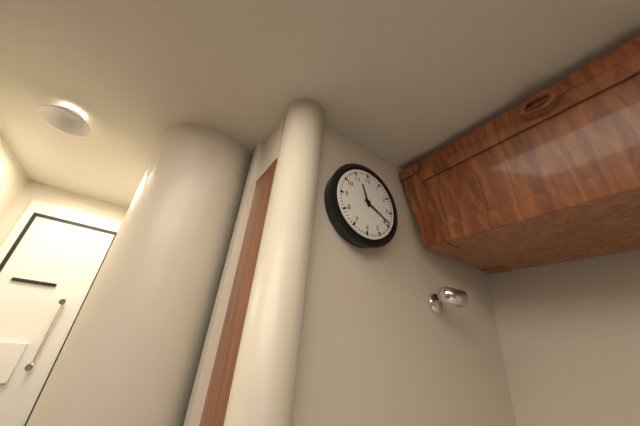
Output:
11 h 19 min
